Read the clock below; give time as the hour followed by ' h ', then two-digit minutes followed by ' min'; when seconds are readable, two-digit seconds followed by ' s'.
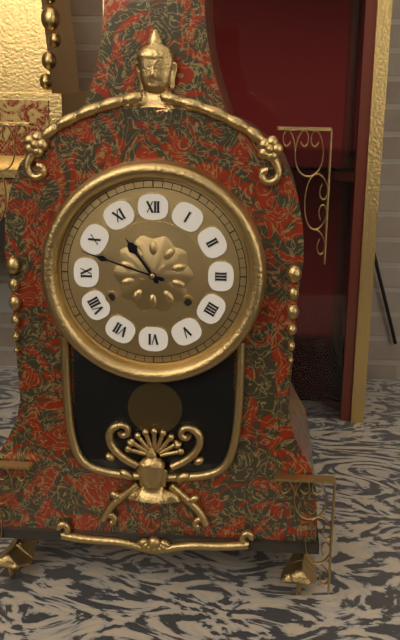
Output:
10 h 48 min
